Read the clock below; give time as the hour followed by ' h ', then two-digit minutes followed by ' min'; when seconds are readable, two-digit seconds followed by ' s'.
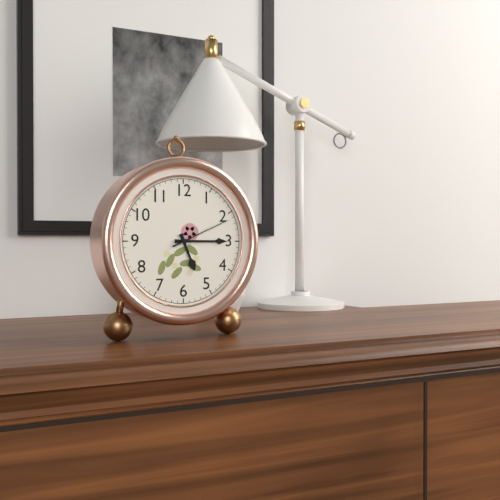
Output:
5 h 15 min 11 s
